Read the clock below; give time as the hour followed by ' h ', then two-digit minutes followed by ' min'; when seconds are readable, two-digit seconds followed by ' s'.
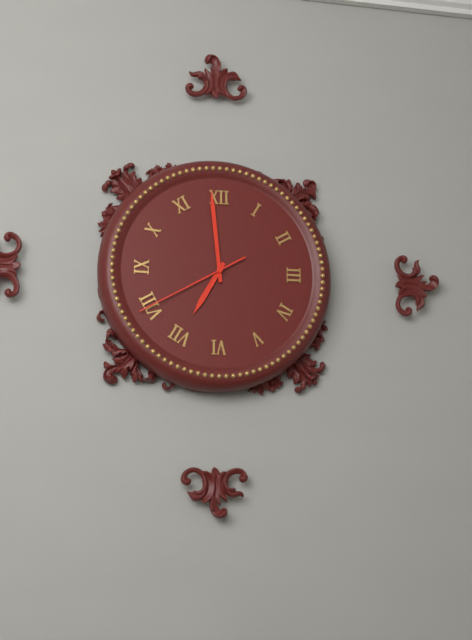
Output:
6 h 59 min 40 s
